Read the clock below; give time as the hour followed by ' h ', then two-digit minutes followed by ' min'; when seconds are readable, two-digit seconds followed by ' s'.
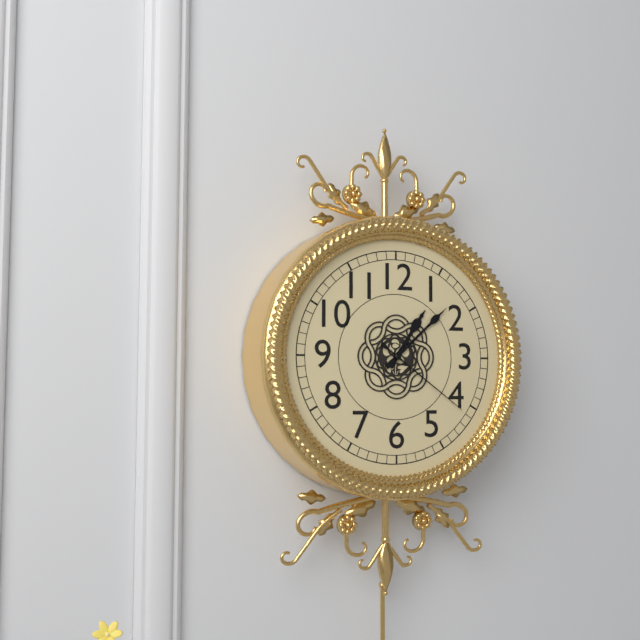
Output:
1 h 08 min 21 s
